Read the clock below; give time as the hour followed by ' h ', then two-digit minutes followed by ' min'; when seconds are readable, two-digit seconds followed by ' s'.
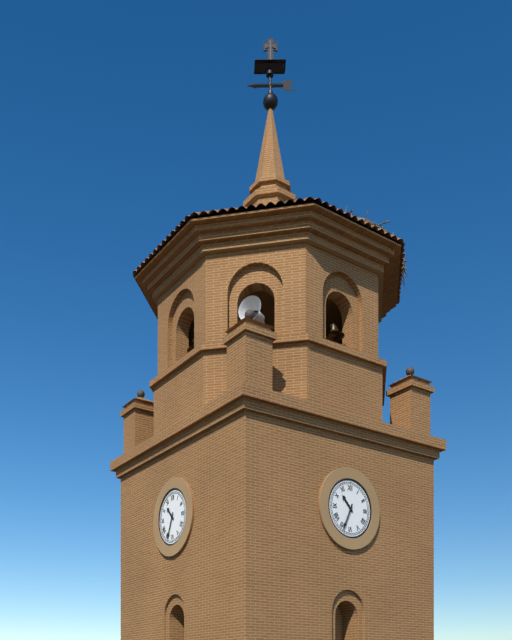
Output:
10 h 34 min
